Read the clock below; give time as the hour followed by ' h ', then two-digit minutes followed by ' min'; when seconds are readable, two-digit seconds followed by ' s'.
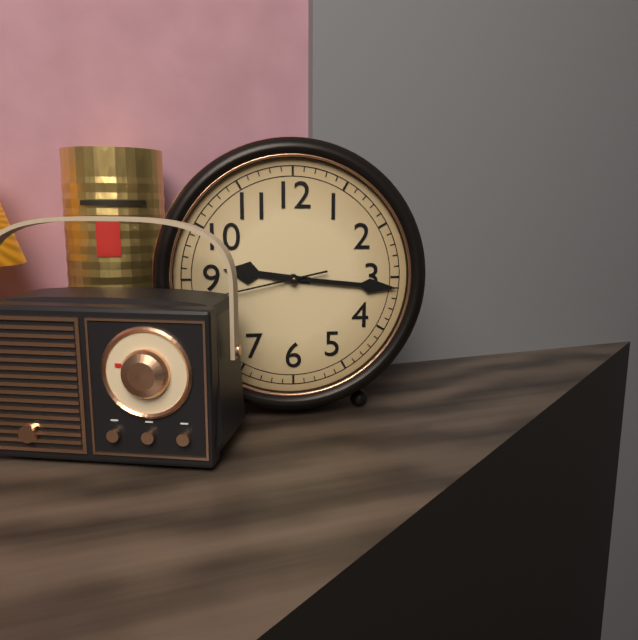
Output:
9 h 16 min
